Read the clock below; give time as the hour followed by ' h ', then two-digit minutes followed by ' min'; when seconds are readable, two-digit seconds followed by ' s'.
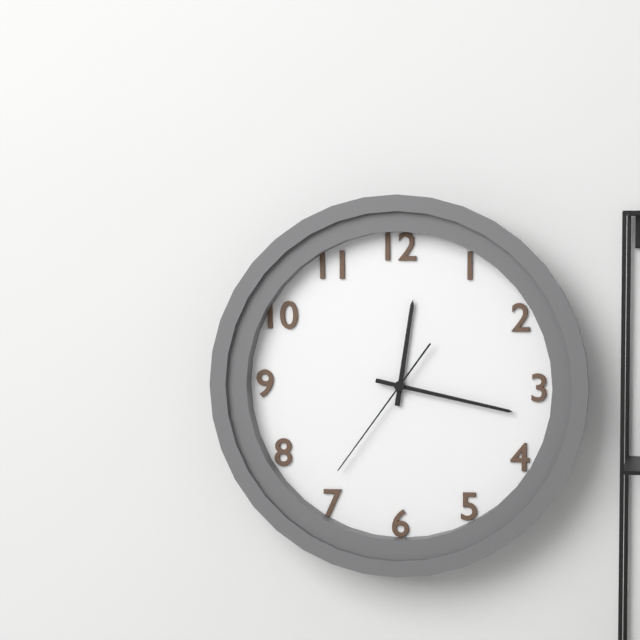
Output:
12 h 17 min 36 s
